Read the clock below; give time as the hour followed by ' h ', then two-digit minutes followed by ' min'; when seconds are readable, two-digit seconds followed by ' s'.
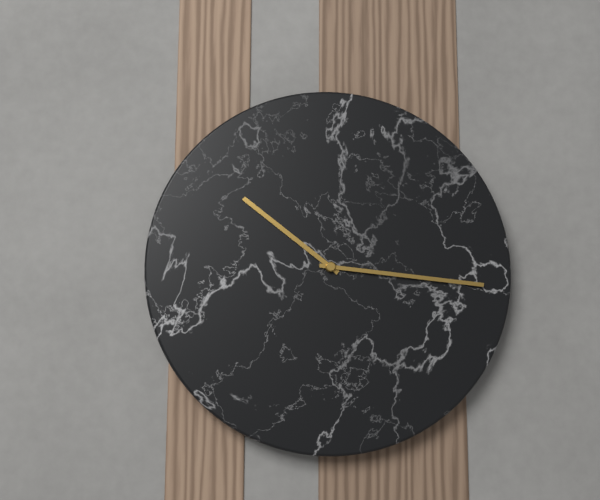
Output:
10 h 16 min
